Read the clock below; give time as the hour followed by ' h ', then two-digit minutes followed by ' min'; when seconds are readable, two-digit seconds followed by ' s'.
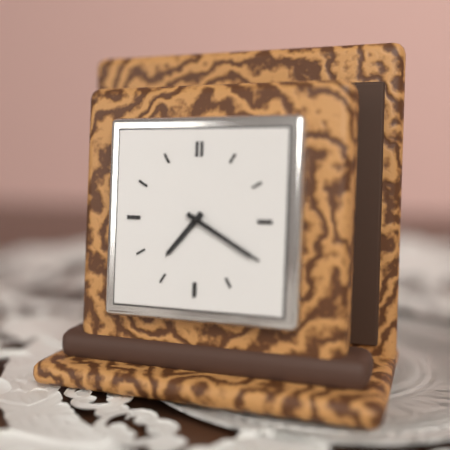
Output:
7 h 20 min
